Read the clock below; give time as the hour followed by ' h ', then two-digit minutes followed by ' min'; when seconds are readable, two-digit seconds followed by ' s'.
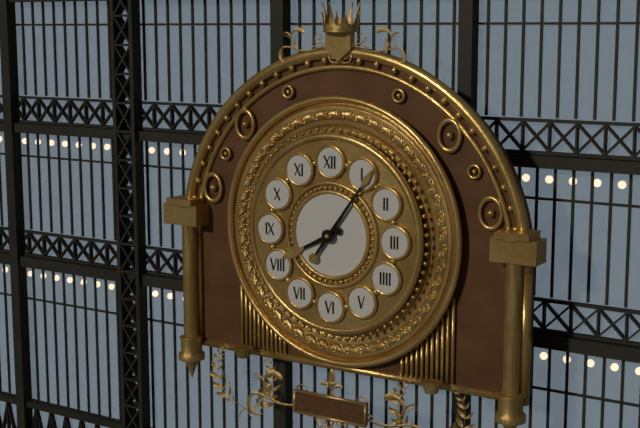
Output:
8 h 06 min
